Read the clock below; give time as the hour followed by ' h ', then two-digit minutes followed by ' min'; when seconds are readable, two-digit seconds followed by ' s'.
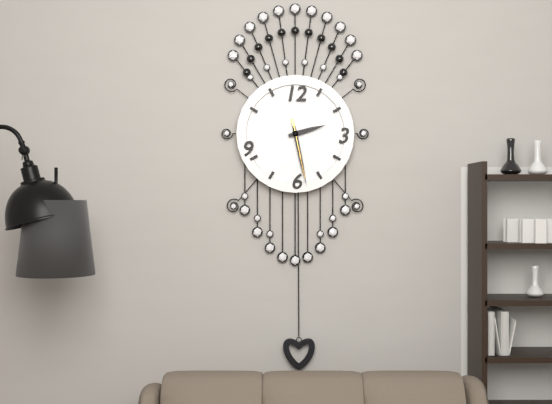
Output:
2 h 28 min 28 s
